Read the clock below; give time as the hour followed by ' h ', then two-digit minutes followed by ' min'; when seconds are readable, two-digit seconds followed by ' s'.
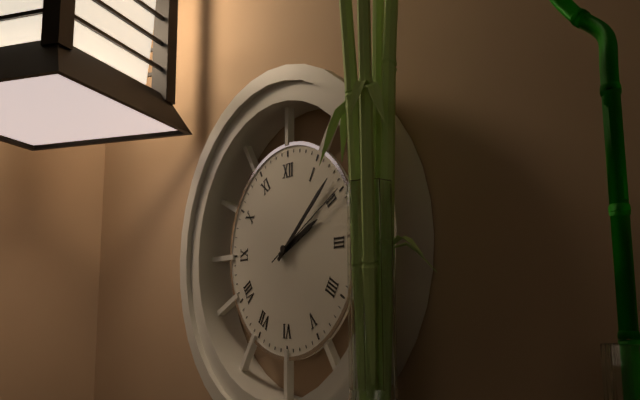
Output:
2 h 08 min 10 s
